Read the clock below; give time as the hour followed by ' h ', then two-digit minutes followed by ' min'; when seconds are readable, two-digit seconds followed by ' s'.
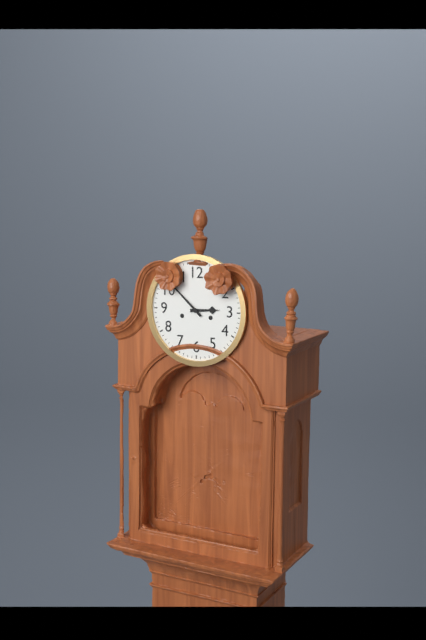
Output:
2 h 52 min
